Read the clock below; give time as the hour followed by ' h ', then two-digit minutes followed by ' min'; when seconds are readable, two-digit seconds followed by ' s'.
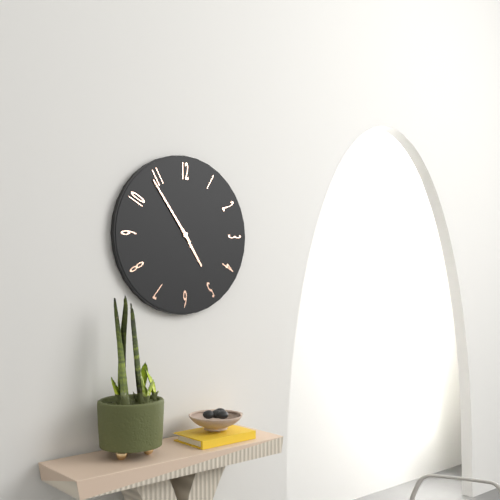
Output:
4 h 54 min
